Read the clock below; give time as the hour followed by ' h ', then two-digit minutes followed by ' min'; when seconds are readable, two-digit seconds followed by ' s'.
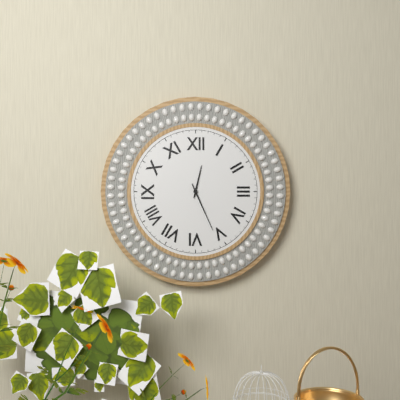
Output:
12 h 26 min
